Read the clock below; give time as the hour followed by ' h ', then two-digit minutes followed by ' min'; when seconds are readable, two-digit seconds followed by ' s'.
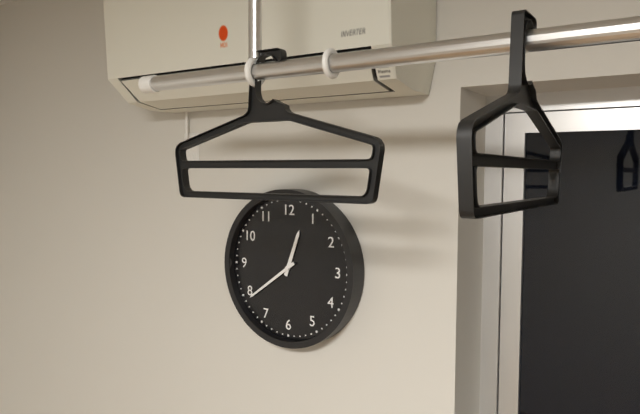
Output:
12 h 39 min
